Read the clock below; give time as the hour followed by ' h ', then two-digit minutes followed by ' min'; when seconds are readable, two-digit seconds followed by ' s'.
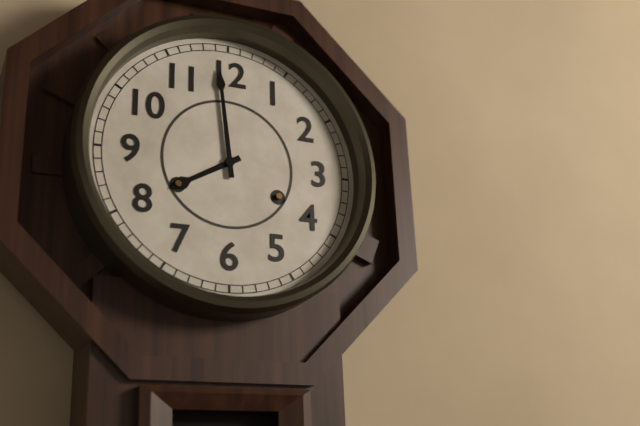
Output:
7 h 59 min
